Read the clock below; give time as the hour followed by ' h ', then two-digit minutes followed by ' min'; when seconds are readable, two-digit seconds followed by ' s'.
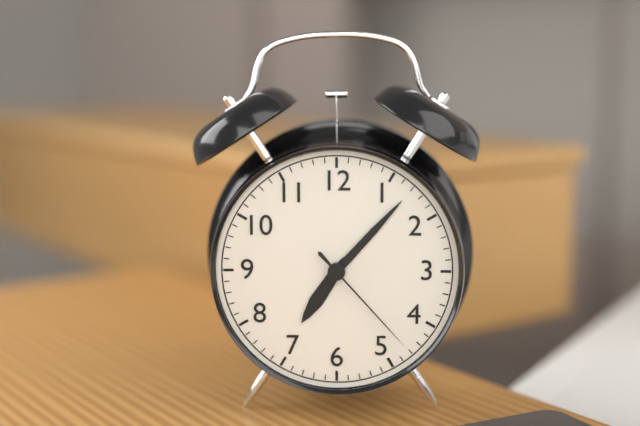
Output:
7 h 07 min 23 s
